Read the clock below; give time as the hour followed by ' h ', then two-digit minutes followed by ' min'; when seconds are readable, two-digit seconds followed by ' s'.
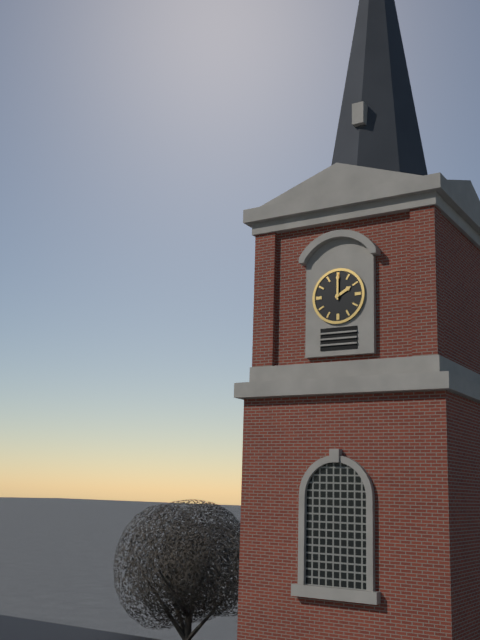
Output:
2 h 00 min
